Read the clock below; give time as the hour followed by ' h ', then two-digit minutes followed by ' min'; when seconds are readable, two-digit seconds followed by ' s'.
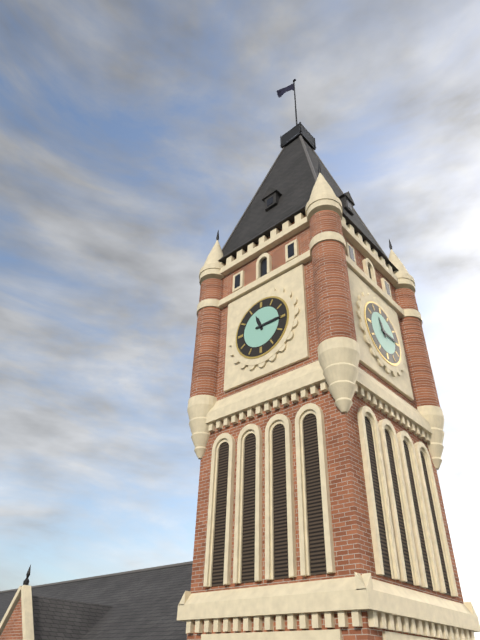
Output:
11 h 15 min
